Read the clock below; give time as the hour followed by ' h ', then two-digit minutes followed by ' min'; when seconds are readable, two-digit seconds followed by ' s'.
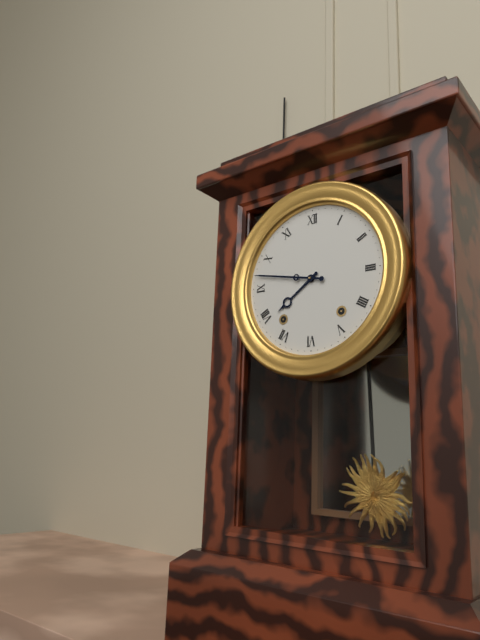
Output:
7 h 47 min
